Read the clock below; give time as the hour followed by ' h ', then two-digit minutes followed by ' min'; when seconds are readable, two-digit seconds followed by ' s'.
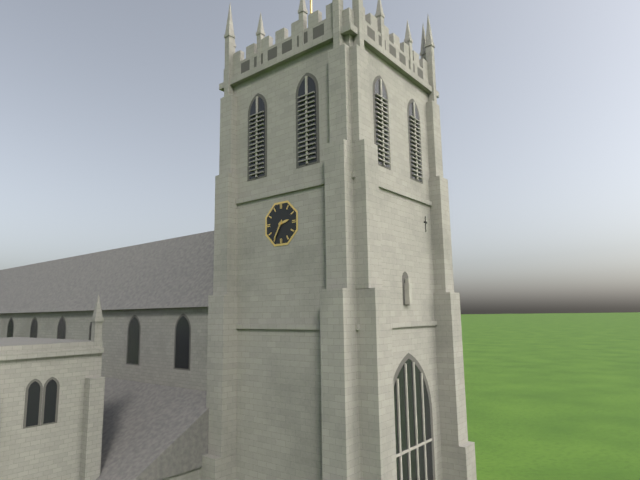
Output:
2 h 35 min
